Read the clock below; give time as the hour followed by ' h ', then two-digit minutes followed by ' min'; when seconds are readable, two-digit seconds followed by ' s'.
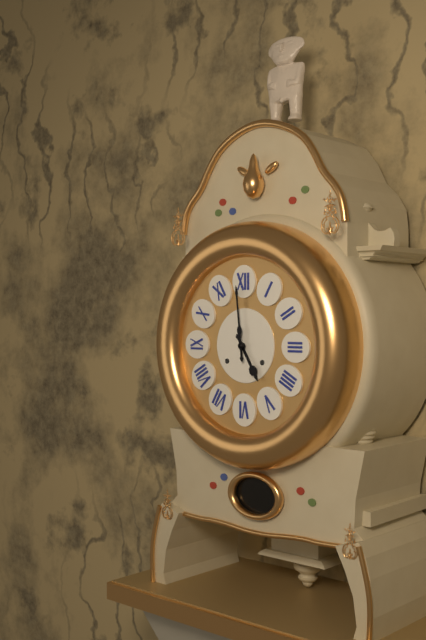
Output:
4 h 59 min
